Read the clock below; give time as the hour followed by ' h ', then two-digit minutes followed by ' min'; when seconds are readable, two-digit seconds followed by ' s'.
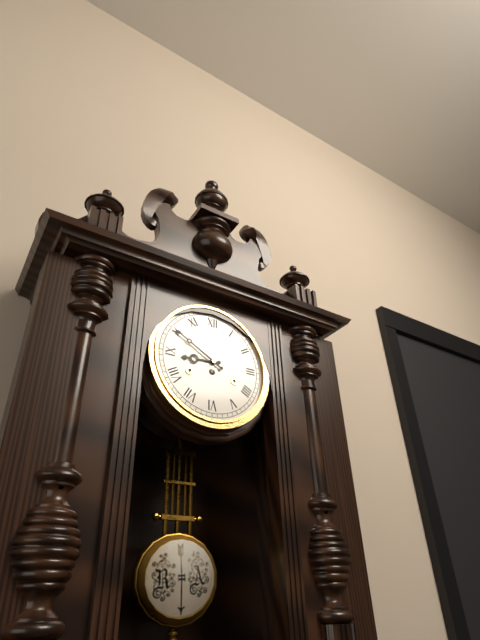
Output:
8 h 50 min
